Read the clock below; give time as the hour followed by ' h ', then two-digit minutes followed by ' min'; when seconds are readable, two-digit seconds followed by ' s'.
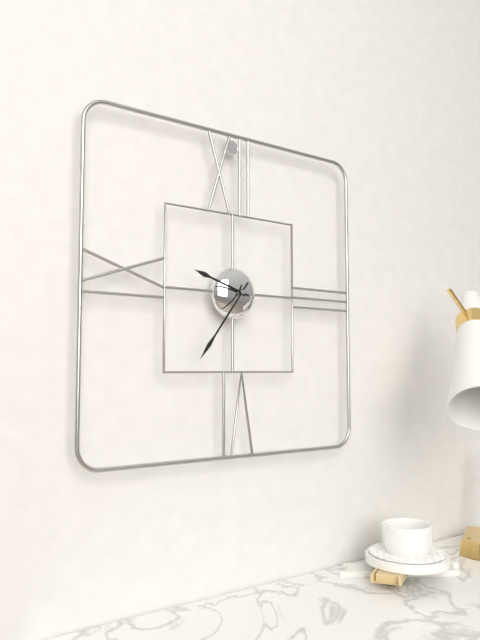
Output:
9 h 36 min
